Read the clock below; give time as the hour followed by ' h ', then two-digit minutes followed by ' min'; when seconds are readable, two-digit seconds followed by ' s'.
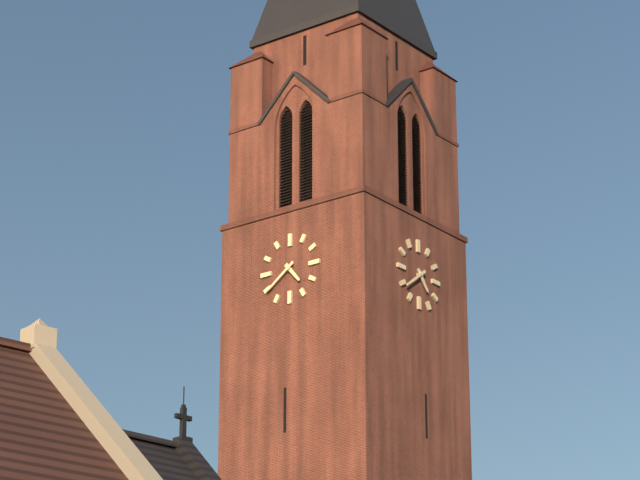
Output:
4 h 39 min
